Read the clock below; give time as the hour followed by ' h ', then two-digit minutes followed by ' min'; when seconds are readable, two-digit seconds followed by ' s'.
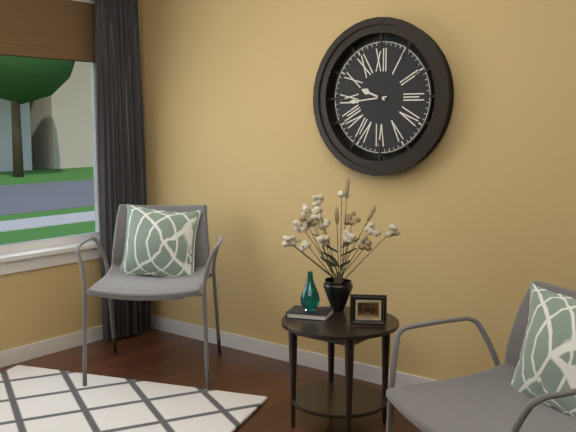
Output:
9 h 44 min
